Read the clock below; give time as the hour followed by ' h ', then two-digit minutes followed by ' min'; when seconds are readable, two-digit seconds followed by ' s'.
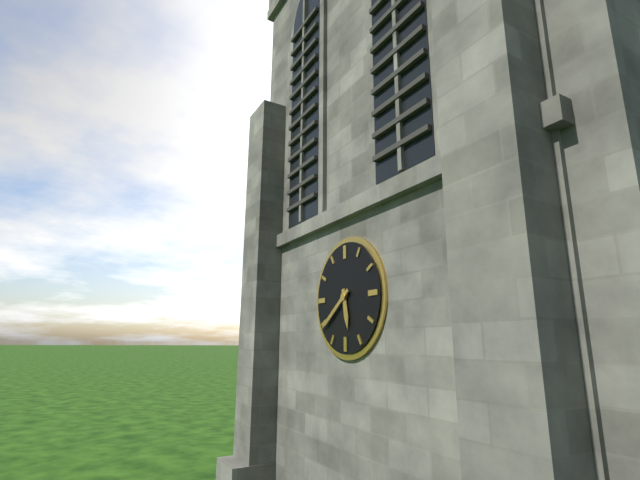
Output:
5 h 39 min
